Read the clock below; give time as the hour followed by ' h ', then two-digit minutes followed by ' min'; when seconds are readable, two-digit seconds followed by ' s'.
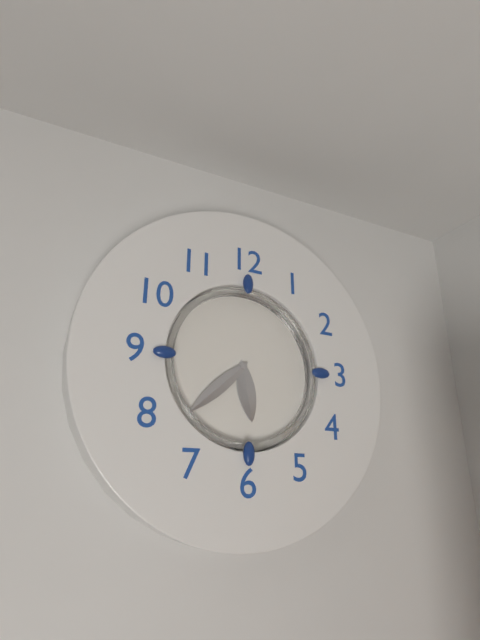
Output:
5 h 38 min
